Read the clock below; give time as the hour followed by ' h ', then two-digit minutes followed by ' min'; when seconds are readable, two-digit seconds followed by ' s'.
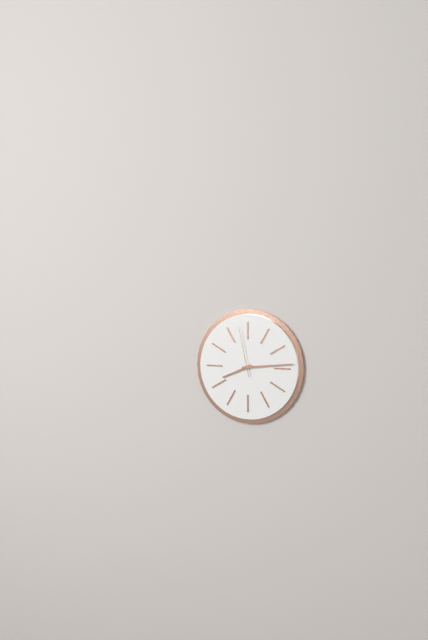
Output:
8 h 14 min 58 s
